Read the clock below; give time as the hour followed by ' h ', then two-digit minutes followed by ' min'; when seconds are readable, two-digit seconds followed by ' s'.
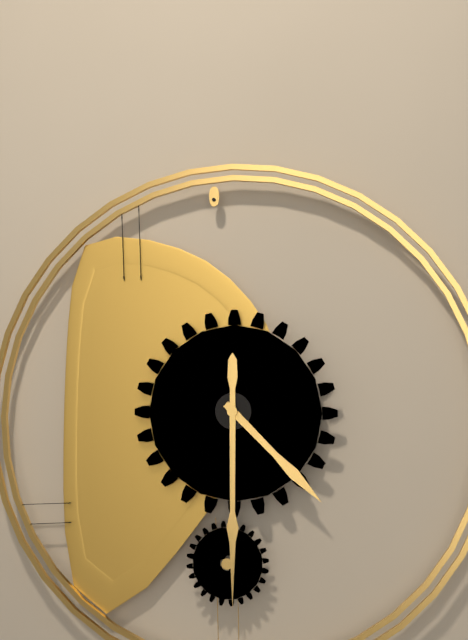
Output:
4 h 30 min
